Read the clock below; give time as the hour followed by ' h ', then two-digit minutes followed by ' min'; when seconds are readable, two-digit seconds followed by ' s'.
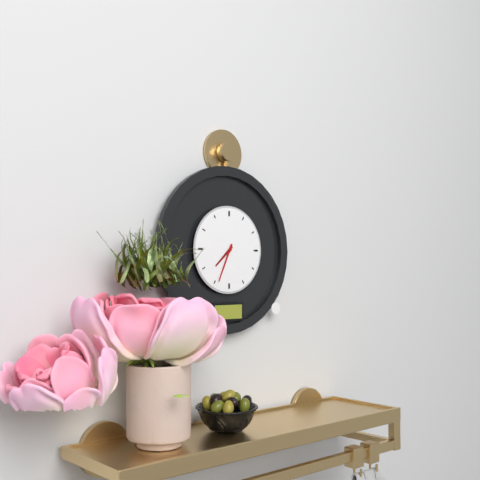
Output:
7 h 34 min
